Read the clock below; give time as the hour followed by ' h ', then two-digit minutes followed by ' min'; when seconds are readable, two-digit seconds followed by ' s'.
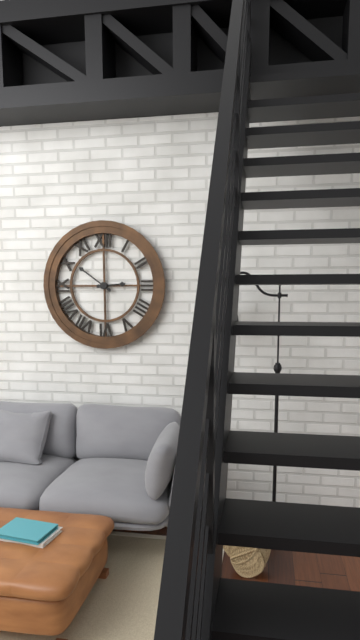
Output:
2 h 51 min
